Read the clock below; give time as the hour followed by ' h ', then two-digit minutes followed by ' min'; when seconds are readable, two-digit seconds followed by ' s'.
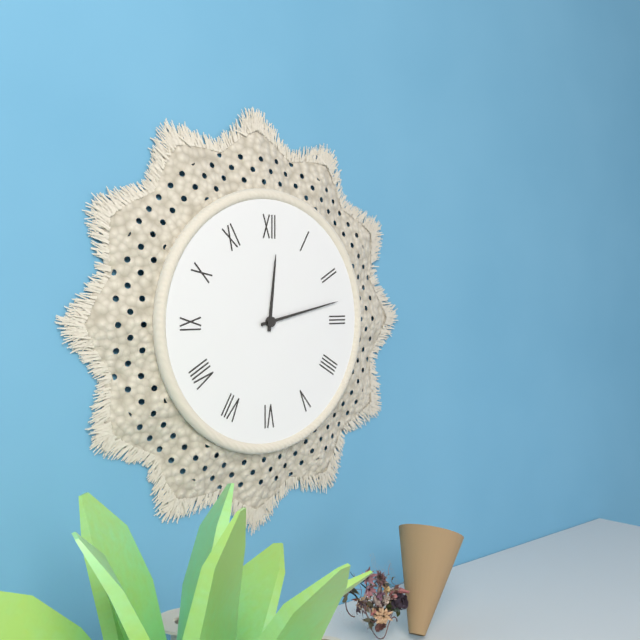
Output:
12 h 13 min
